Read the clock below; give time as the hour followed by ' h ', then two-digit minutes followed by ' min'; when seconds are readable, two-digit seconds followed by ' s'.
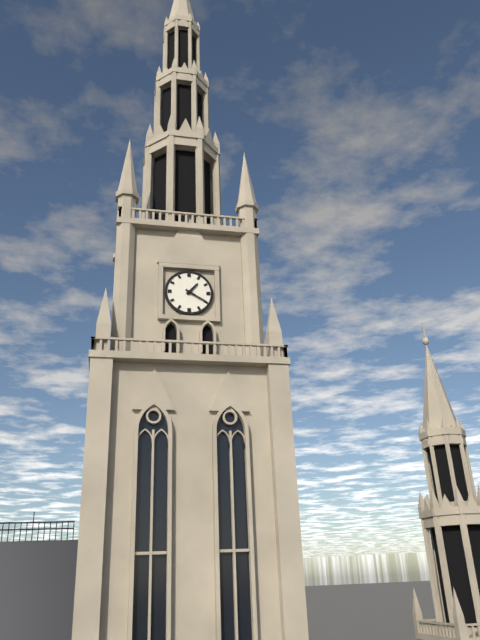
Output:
1 h 20 min
